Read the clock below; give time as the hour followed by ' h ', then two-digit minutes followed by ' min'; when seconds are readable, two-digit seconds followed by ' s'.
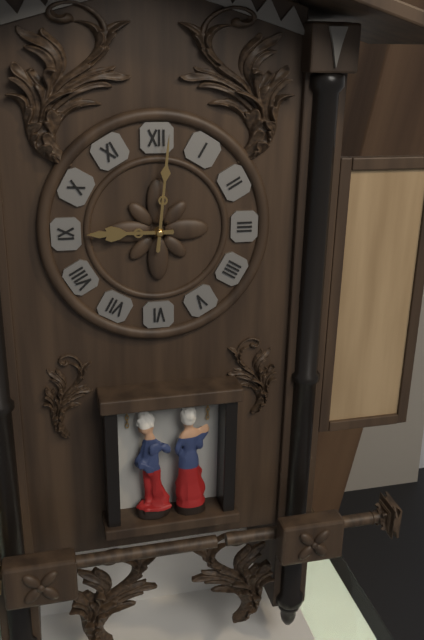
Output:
9 h 01 min
